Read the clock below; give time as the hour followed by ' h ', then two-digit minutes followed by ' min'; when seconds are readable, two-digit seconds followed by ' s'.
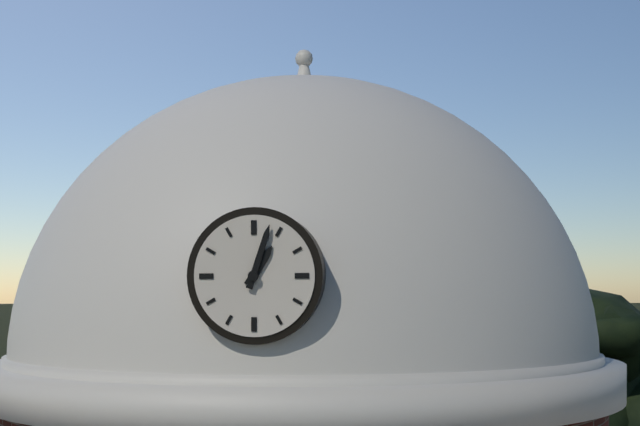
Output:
1 h 03 min
